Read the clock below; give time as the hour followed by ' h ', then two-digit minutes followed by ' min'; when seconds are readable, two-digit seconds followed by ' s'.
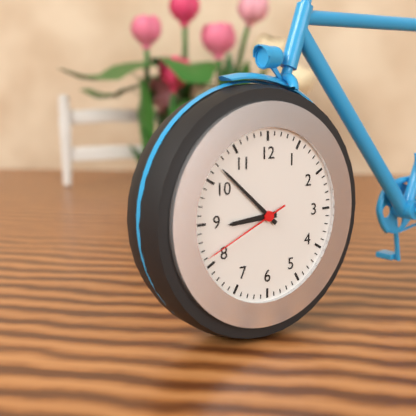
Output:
8 h 52 min 41 s
